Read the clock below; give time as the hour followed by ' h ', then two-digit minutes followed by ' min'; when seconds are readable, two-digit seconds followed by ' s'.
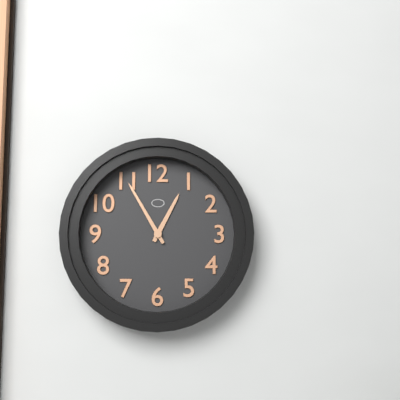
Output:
12 h 55 min
